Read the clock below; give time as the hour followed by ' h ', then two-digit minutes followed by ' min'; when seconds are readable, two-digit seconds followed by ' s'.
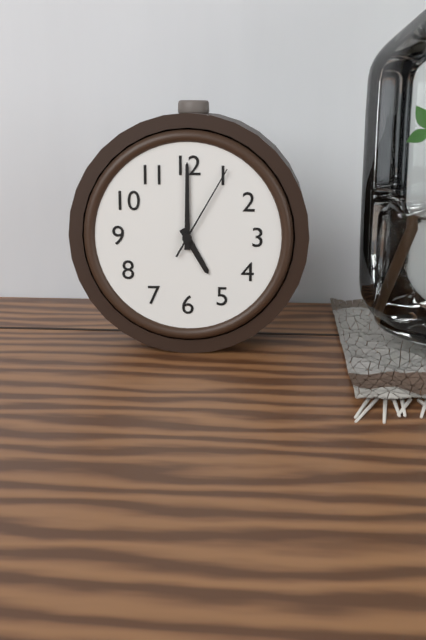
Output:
5 h 00 min 05 s
